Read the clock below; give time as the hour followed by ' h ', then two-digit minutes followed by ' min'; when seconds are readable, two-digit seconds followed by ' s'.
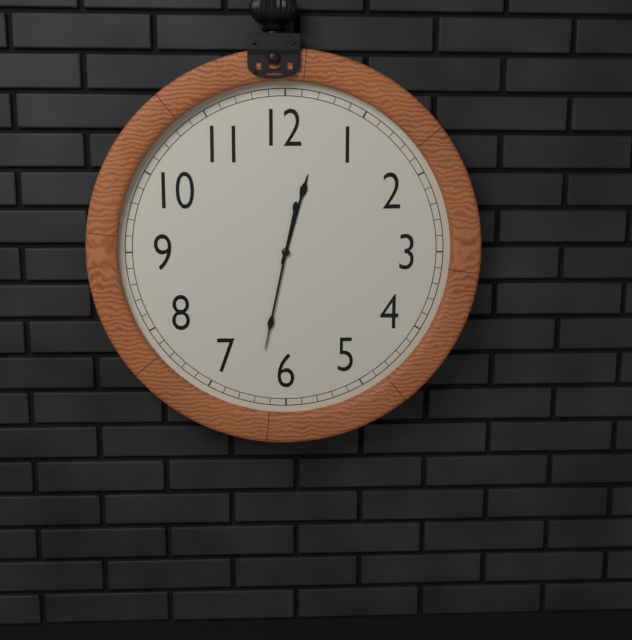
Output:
12 h 32 min
